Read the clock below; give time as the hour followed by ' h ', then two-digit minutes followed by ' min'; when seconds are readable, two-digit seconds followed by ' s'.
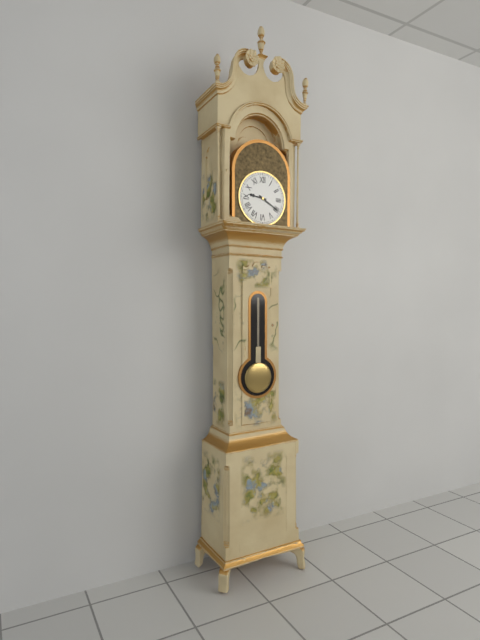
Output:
9 h 20 min
